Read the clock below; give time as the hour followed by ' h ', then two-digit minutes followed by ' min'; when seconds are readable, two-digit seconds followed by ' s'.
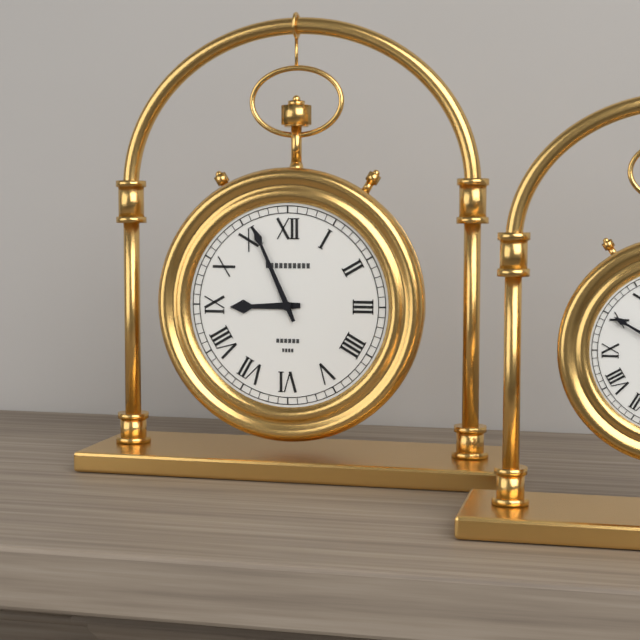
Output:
8 h 56 min
